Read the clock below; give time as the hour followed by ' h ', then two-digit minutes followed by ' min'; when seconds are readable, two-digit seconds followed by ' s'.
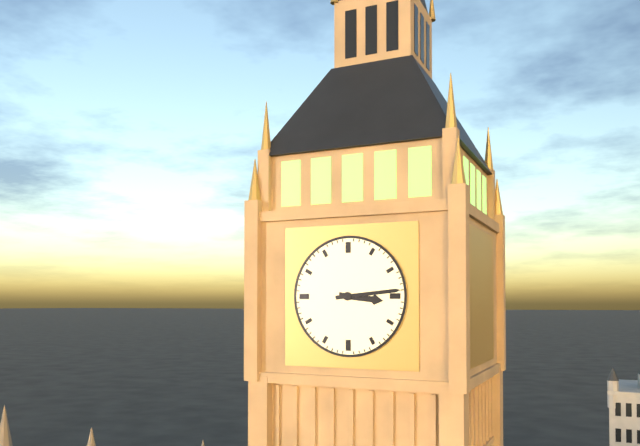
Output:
3 h 14 min
